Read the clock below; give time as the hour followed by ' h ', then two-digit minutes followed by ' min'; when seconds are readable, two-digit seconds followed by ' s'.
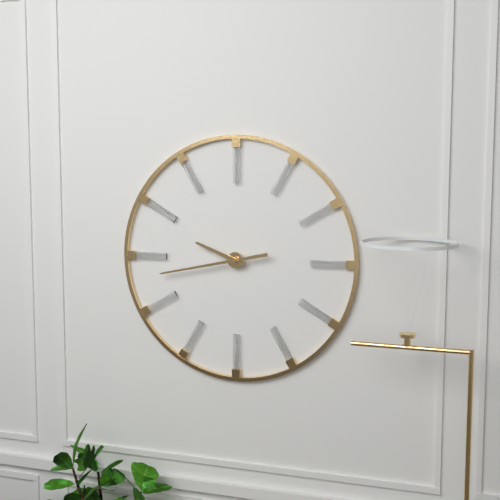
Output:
9 h 43 min
